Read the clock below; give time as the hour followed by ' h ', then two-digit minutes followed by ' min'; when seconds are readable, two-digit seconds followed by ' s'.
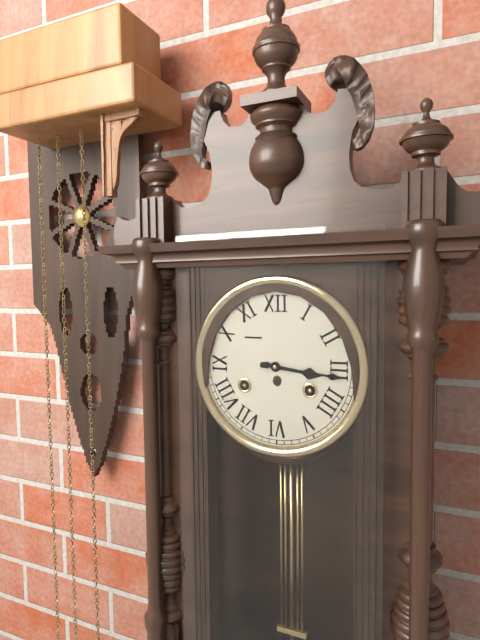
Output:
3 h 16 min
